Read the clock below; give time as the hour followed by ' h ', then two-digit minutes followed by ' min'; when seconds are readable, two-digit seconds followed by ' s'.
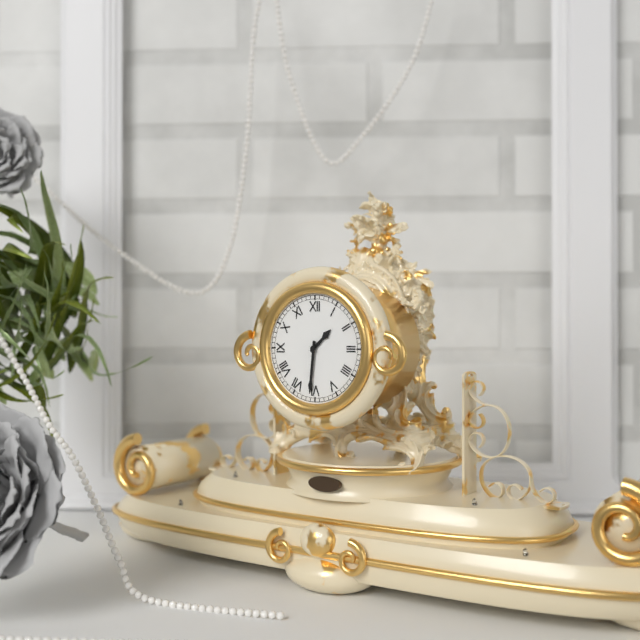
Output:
1 h 31 min
